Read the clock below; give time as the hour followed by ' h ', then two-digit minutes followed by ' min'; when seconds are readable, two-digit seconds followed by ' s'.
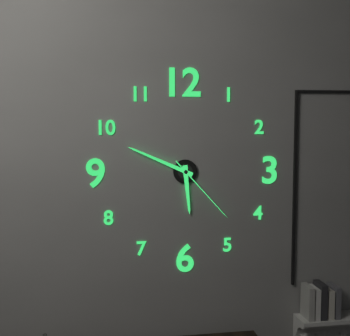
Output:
5 h 49 min 23 s
